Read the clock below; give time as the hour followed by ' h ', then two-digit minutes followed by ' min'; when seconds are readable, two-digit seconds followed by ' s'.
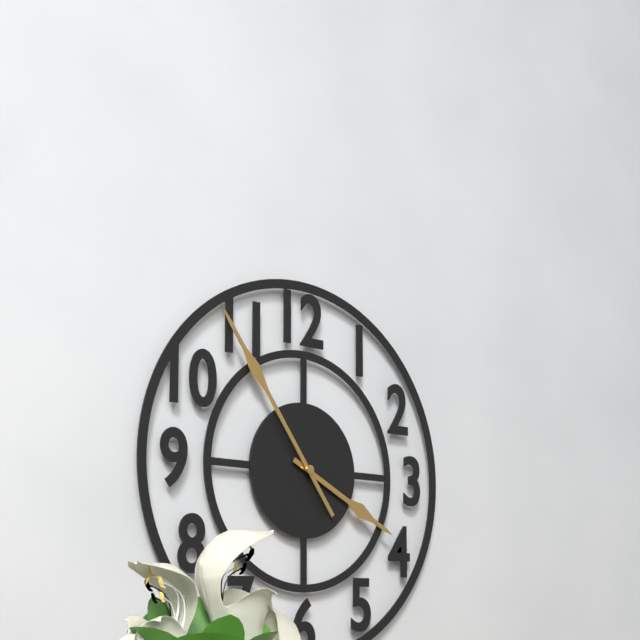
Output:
3 h 54 min
